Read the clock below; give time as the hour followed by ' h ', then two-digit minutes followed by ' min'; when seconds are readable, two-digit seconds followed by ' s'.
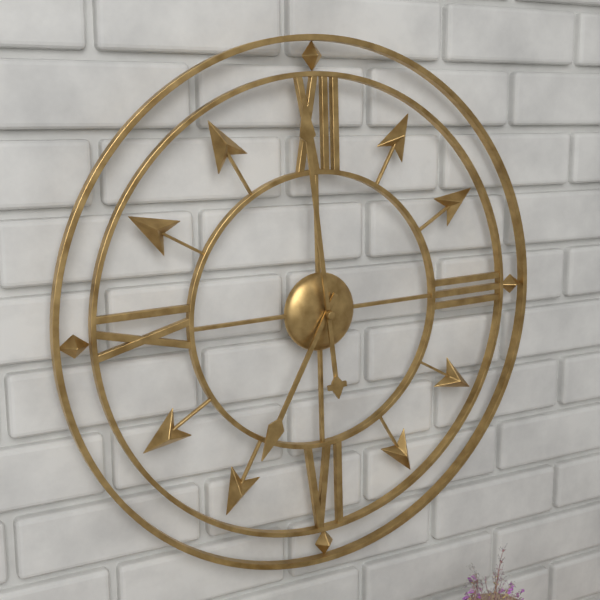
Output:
6 h 59 min
